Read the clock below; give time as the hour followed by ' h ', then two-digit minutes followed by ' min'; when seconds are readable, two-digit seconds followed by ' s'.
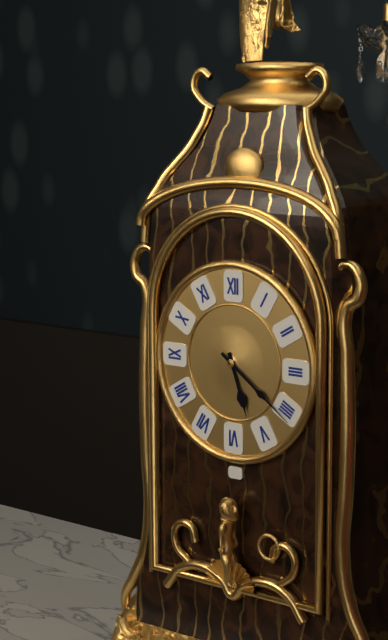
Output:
5 h 21 min
